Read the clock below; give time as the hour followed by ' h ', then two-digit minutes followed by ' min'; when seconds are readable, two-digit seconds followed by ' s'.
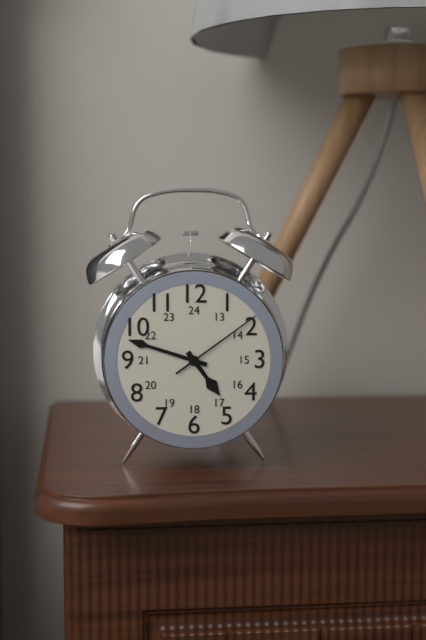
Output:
4 h 48 min 09 s
